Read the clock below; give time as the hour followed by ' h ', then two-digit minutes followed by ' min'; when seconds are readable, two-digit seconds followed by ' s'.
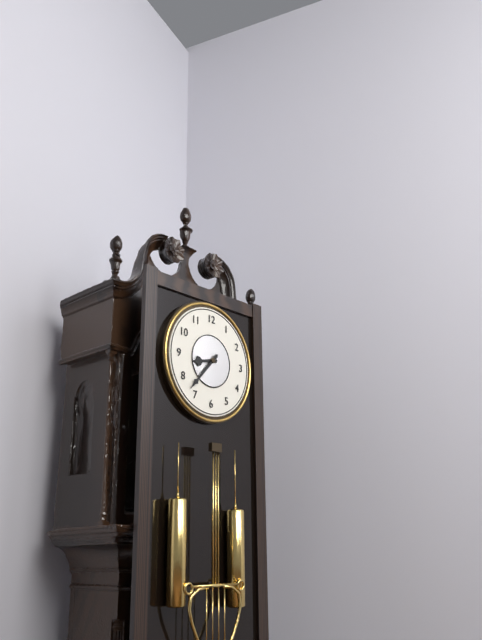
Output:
8 h 37 min
